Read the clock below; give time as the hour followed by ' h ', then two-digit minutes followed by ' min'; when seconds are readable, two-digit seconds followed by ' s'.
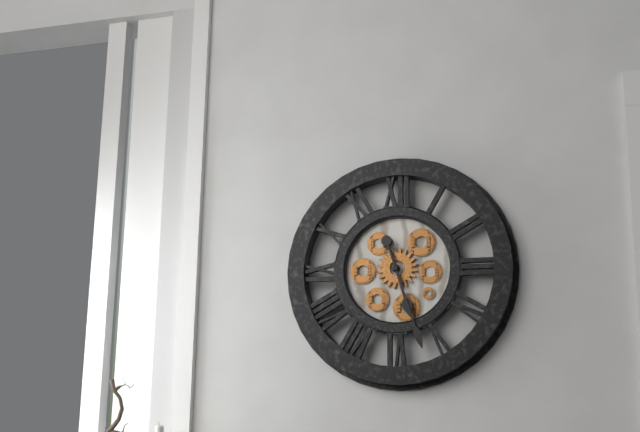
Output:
5 h 27 min
